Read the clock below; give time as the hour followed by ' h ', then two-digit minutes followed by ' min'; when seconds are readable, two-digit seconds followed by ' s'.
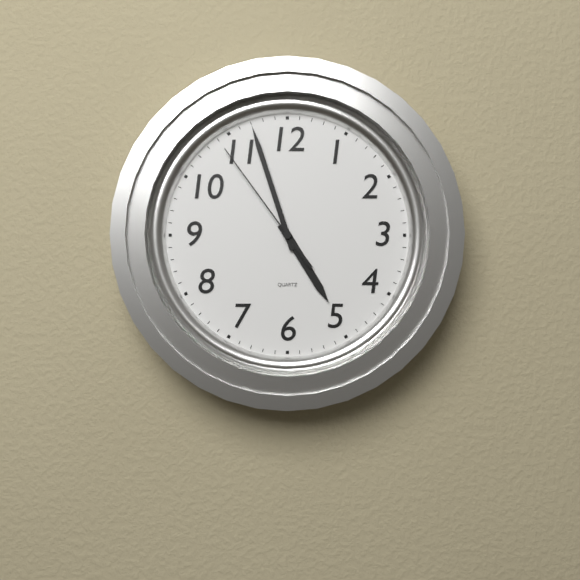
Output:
4 h 57 min 54 s
